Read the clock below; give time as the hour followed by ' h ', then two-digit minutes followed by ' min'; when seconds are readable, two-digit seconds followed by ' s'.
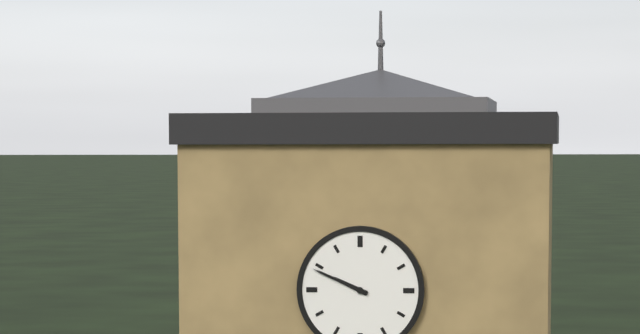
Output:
9 h 49 min
